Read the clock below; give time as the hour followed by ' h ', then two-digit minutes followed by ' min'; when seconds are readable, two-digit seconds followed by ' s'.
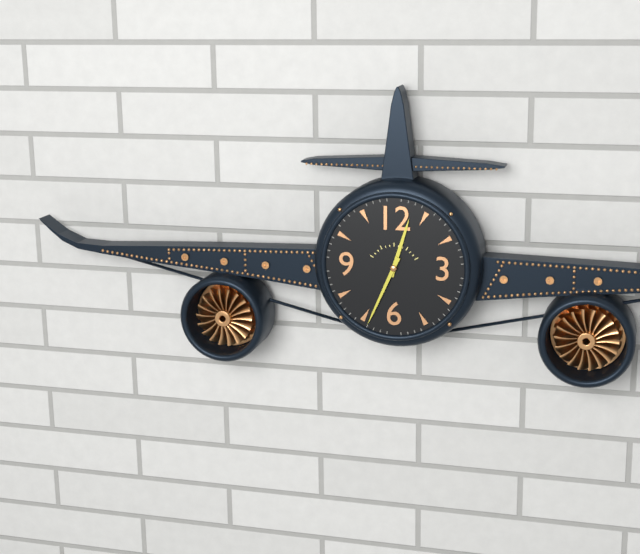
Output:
12 h 34 min
